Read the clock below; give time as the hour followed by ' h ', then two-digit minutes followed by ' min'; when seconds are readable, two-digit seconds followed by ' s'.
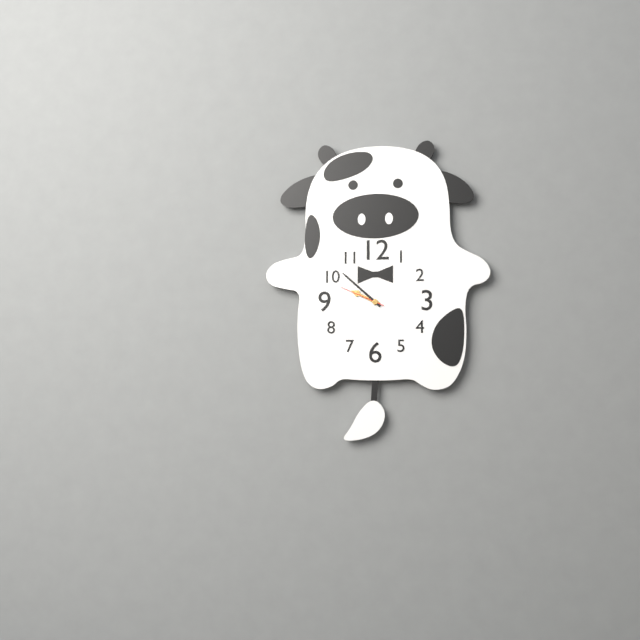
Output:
9 h 52 min
